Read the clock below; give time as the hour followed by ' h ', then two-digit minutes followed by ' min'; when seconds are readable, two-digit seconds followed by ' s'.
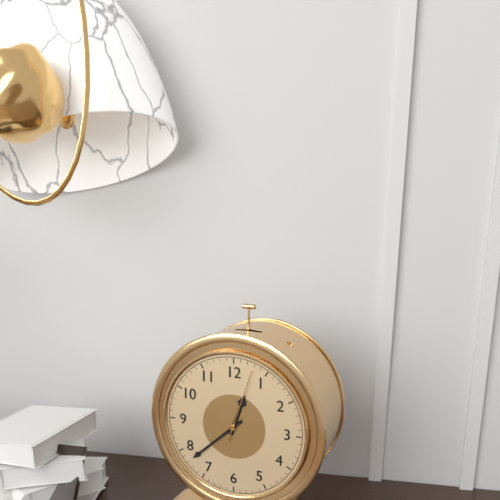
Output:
12 h 38 min 03 s
